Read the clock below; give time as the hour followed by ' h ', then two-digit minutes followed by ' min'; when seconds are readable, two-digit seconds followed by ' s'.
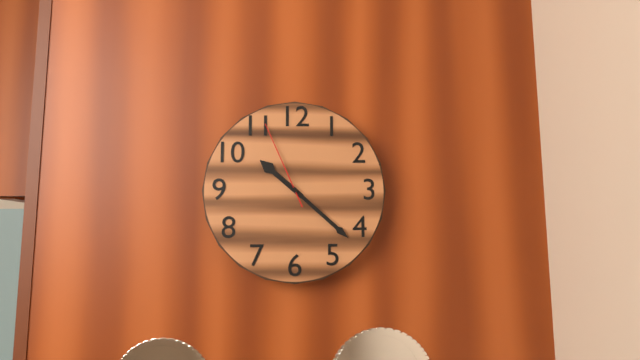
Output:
10 h 22 min 56 s
